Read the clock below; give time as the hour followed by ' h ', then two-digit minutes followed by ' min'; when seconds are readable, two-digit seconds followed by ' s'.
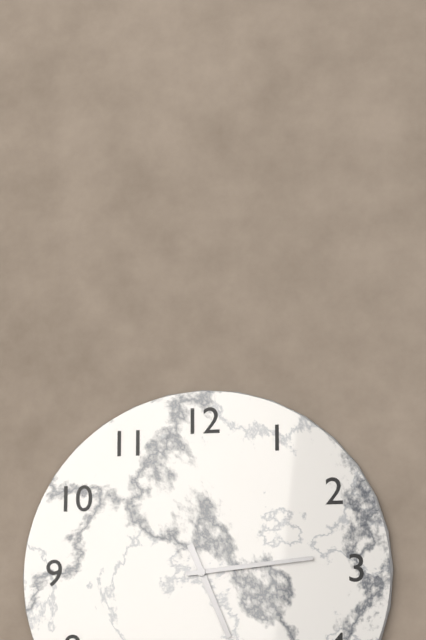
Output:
5 h 14 min
